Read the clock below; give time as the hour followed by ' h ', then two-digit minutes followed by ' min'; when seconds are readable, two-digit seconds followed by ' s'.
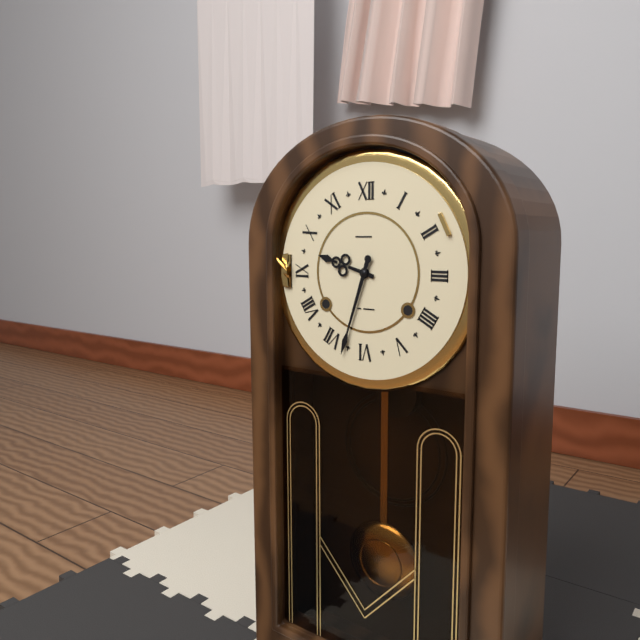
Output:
9 h 33 min
